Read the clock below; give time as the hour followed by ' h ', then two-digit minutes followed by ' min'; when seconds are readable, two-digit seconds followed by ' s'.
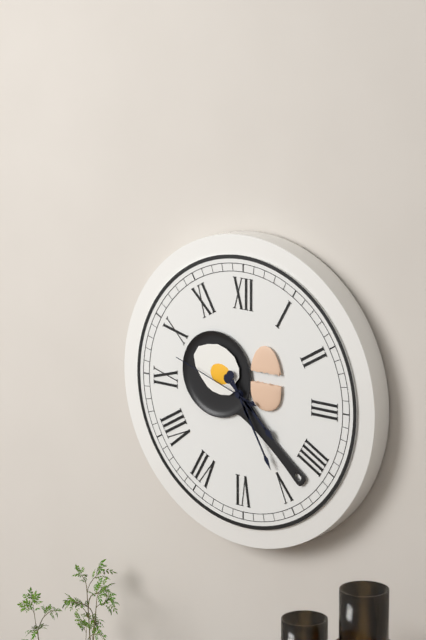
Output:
4 h 25 min 48 s
